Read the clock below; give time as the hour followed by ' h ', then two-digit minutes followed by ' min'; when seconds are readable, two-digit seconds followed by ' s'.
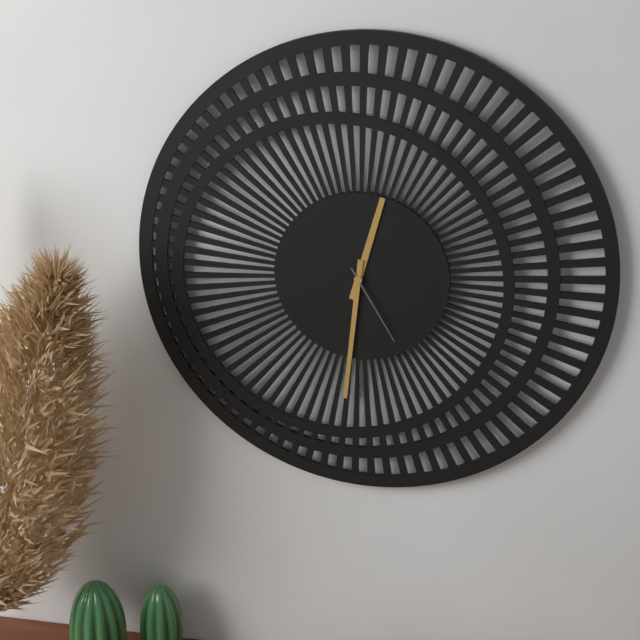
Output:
12 h 31 min 25 s
